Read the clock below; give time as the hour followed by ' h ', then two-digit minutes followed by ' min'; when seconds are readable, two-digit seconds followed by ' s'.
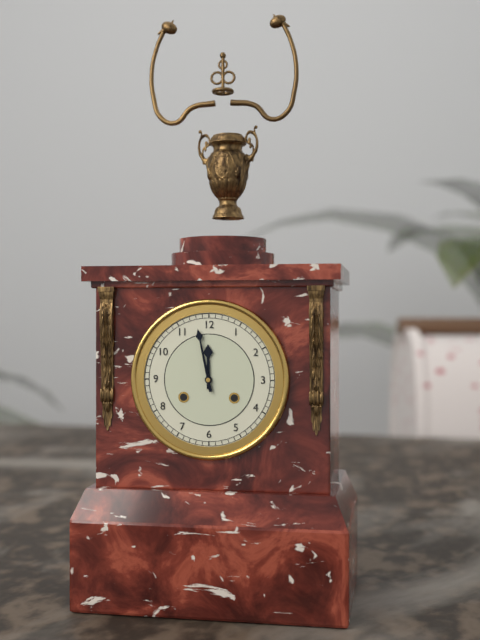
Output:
11 h 58 min
